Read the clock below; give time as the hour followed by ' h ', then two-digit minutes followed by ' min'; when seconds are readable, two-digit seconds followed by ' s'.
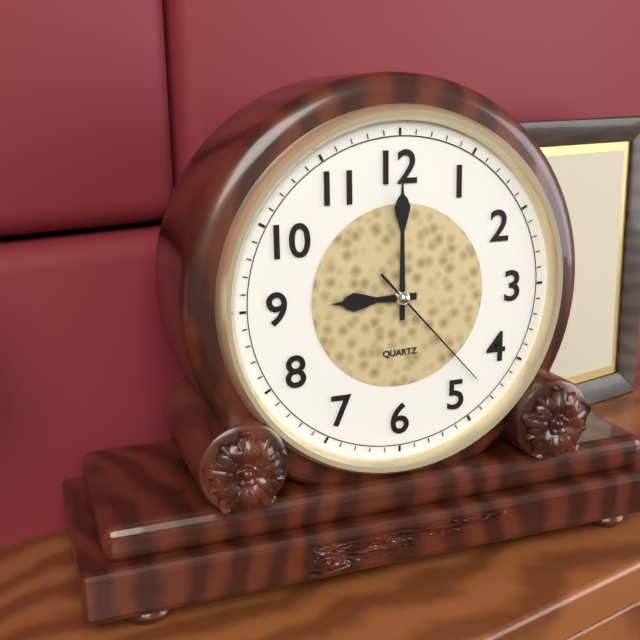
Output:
9 h 00 min 23 s
